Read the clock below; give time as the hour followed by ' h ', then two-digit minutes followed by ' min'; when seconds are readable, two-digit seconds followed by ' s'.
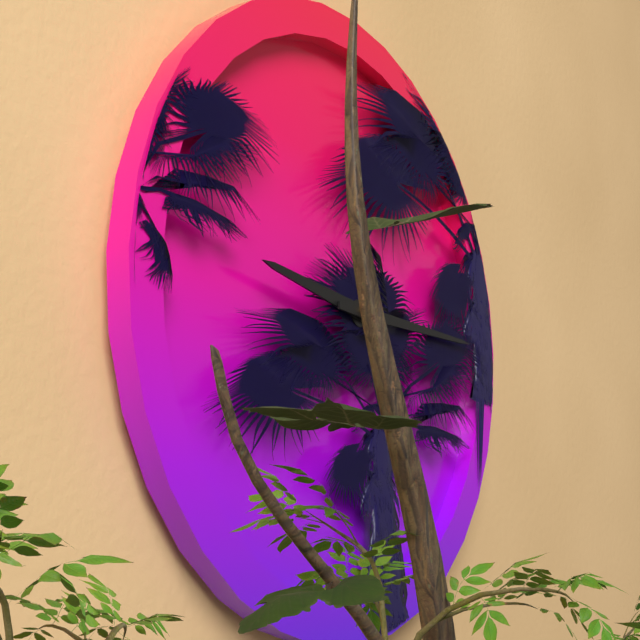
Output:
9 h 15 min
